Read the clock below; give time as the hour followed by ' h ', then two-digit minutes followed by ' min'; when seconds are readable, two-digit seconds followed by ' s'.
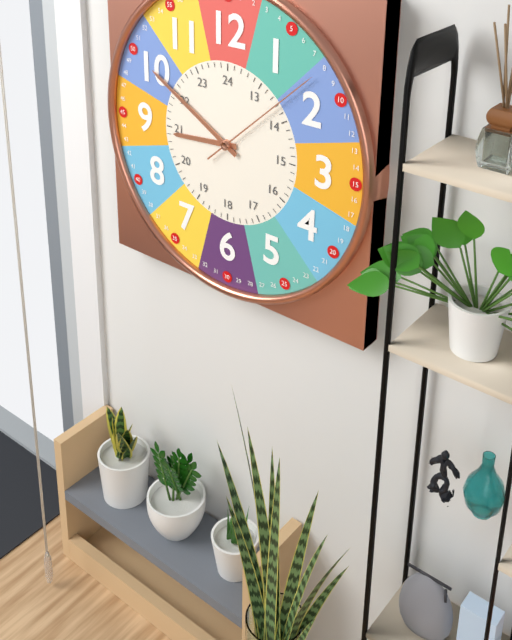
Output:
8 h 50 min 08 s
